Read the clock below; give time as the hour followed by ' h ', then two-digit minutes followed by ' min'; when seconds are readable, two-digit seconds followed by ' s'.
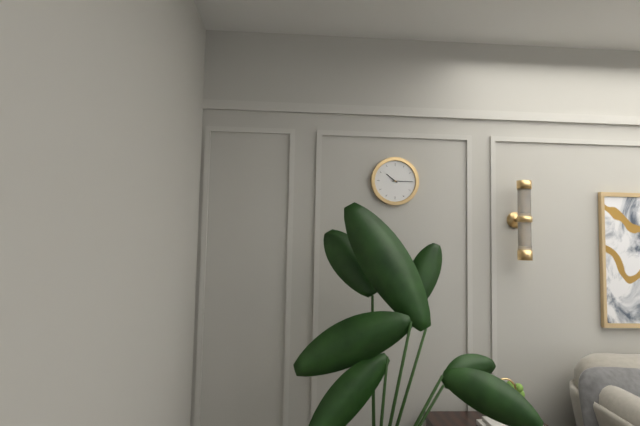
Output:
10 h 15 min
